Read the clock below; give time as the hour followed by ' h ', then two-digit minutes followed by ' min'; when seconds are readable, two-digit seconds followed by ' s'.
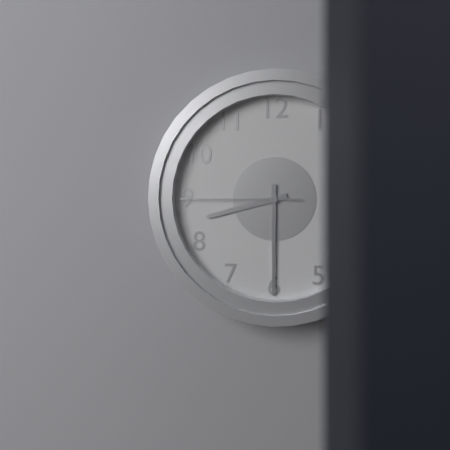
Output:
8 h 30 min 45 s
